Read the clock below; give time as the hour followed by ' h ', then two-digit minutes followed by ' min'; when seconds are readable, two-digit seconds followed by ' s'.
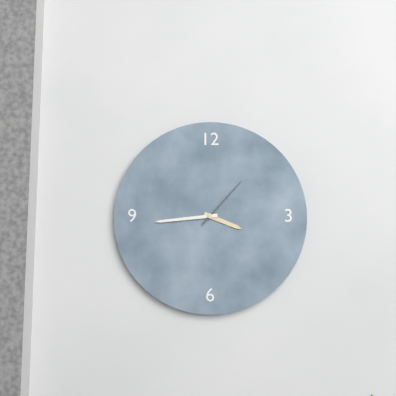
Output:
3 h 44 min 07 s
